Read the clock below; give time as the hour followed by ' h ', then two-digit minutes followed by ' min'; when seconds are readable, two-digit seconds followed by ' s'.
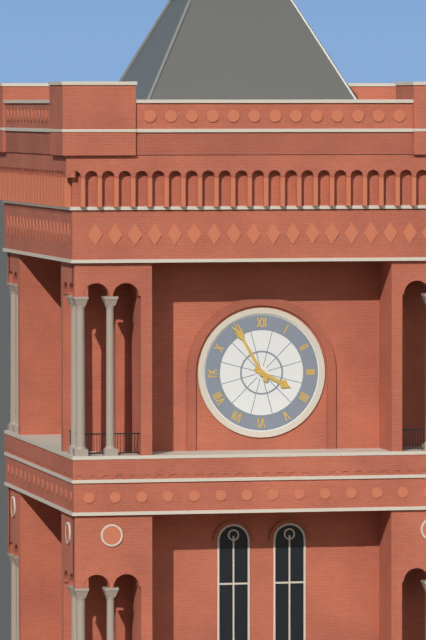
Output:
3 h 55 min
